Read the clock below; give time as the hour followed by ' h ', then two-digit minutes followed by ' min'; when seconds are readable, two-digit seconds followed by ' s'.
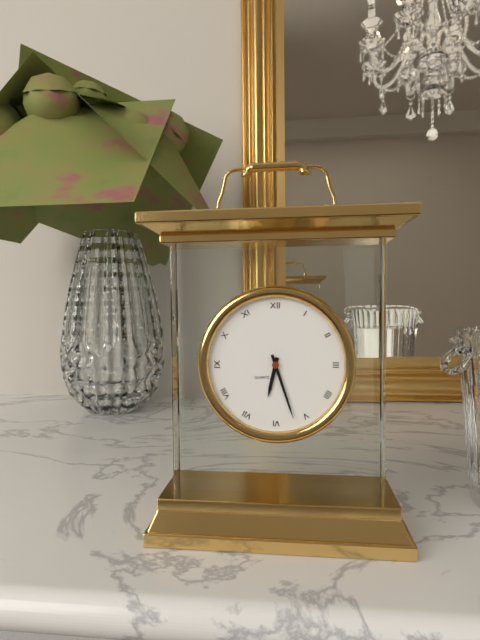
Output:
6 h 27 min
